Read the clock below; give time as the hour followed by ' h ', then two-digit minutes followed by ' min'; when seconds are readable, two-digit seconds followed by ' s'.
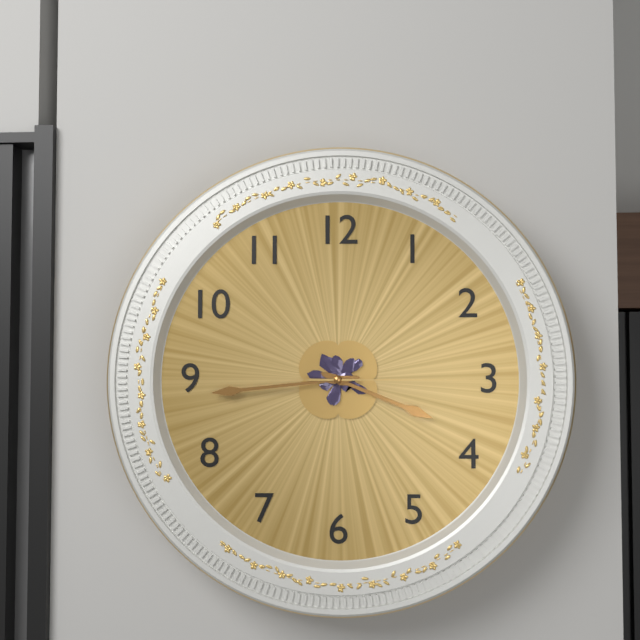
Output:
3 h 44 min 15 s
